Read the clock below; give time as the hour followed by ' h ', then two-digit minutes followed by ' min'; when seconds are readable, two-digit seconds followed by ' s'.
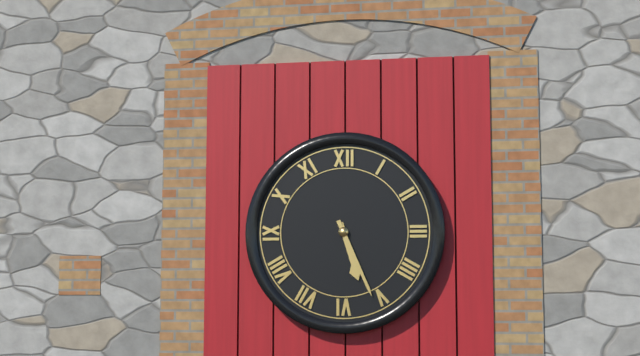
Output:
5 h 26 min
